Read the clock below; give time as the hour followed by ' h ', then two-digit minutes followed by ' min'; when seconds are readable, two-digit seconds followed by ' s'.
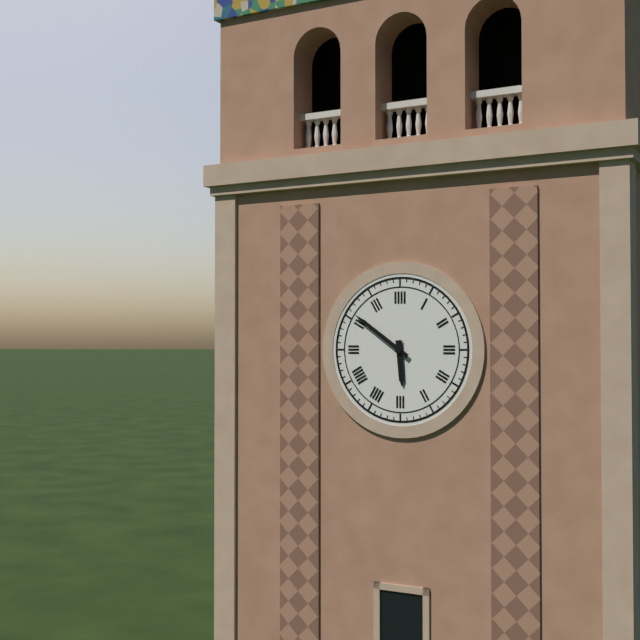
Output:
5 h 51 min
